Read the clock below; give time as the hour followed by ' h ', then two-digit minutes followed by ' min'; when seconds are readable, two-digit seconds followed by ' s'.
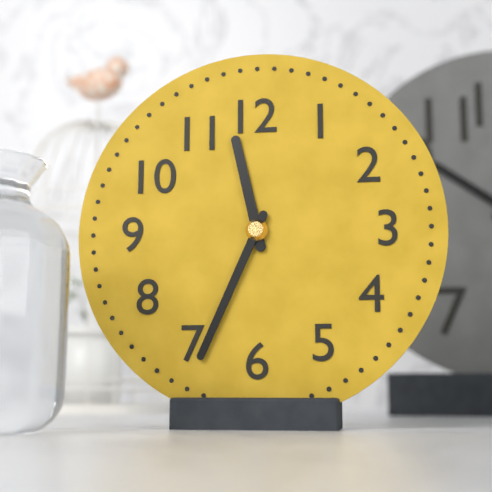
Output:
11 h 34 min
